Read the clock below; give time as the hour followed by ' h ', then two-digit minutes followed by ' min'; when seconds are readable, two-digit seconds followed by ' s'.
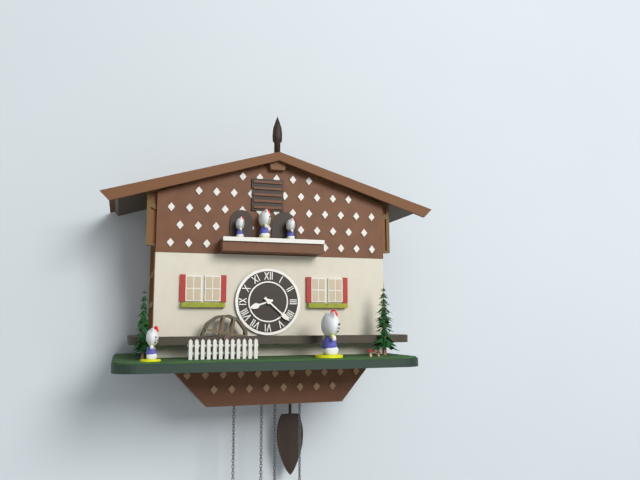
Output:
8 h 22 min
